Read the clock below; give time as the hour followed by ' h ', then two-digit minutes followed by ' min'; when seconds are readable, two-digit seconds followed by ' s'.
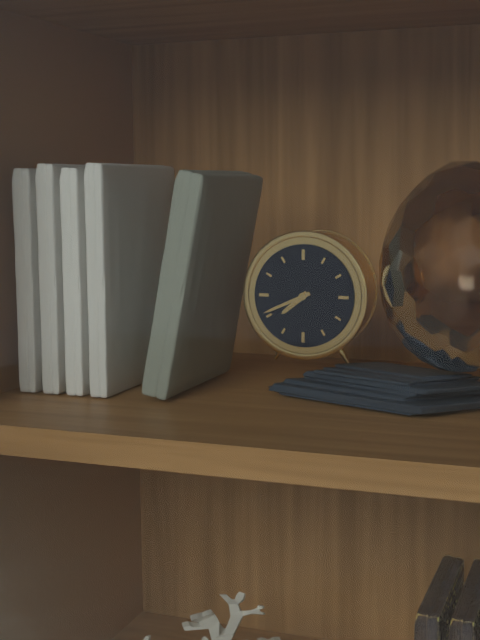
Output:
7 h 41 min
